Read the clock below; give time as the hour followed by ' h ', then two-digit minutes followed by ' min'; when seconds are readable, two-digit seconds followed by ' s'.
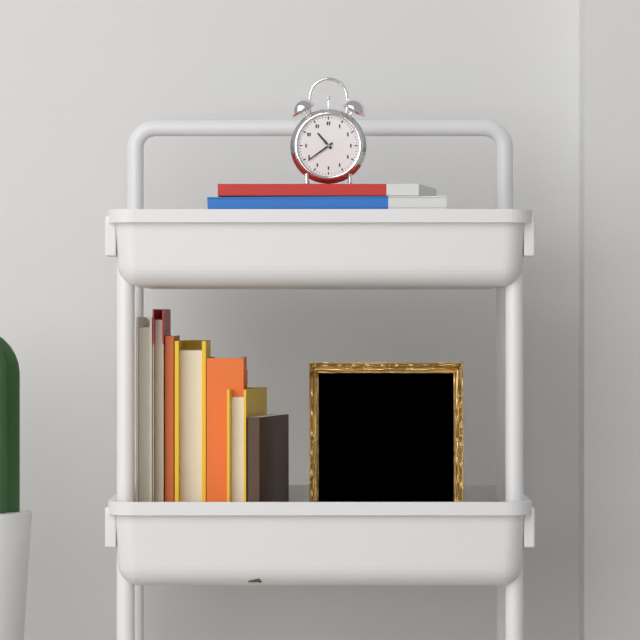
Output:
10 h 39 min
